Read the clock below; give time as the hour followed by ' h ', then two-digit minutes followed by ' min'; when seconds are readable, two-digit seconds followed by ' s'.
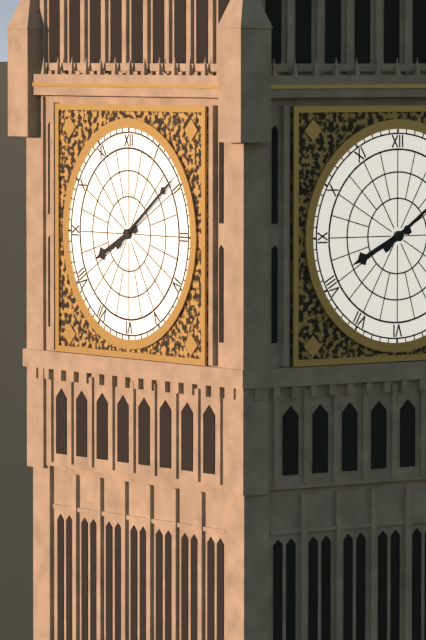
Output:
8 h 09 min
